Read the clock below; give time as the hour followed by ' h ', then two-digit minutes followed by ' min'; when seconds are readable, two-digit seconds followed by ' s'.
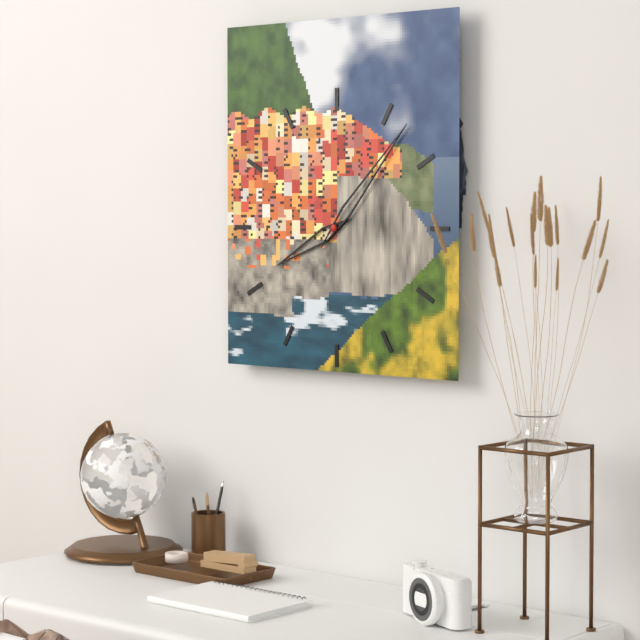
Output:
8 h 07 min
